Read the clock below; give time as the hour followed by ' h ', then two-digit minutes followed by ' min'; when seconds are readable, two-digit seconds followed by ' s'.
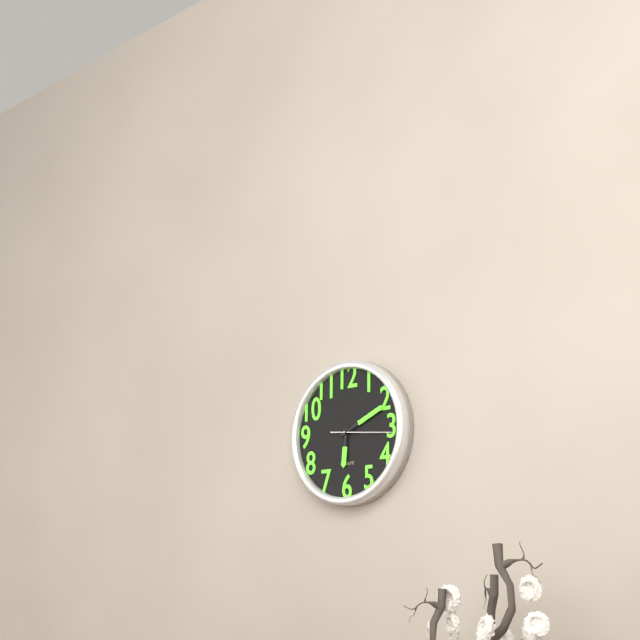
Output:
6 h 11 min
